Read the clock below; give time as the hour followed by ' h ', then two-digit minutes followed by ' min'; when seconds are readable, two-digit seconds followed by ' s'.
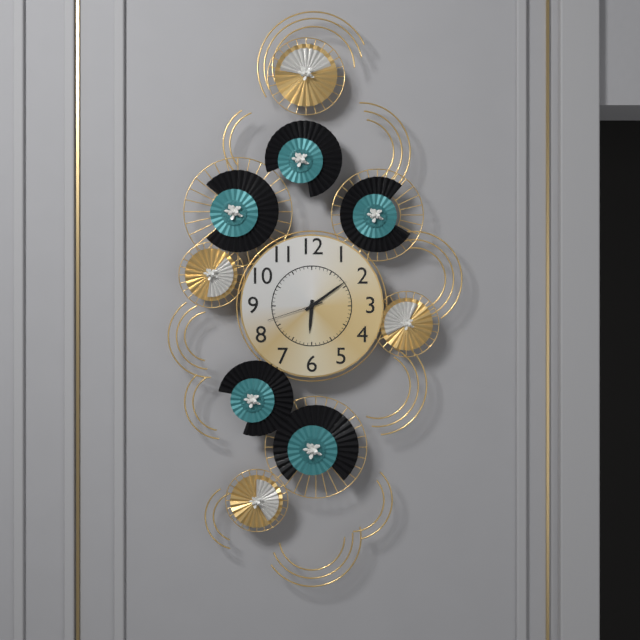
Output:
6 h 09 min 42 s
